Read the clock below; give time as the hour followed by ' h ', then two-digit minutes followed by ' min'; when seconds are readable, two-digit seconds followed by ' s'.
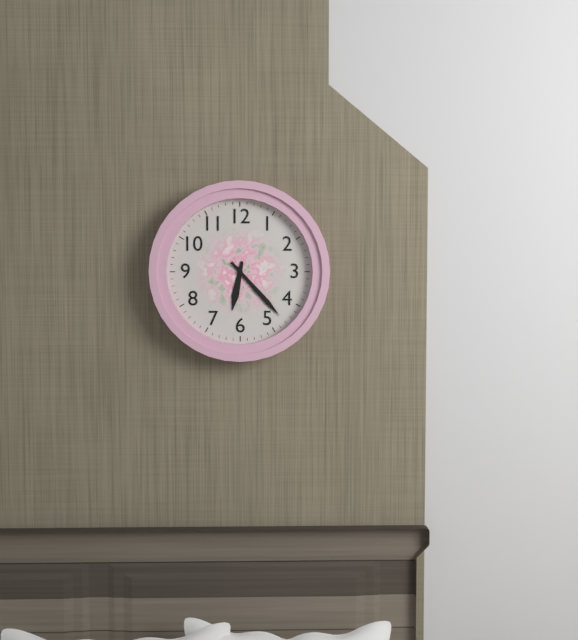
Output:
6 h 23 min
